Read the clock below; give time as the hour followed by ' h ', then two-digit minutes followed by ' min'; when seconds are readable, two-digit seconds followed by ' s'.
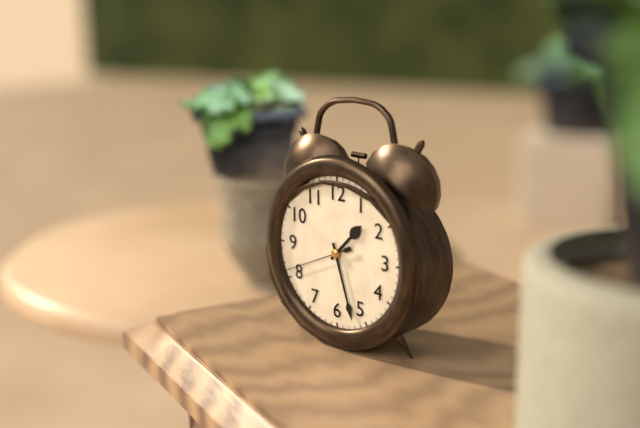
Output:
1 h 27 min 41 s
